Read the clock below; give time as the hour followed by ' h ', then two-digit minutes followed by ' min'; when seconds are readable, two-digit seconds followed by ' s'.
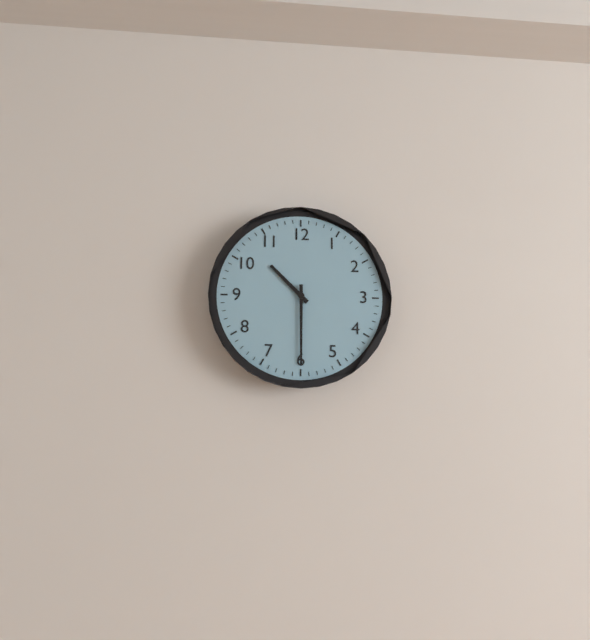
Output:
10 h 30 min
